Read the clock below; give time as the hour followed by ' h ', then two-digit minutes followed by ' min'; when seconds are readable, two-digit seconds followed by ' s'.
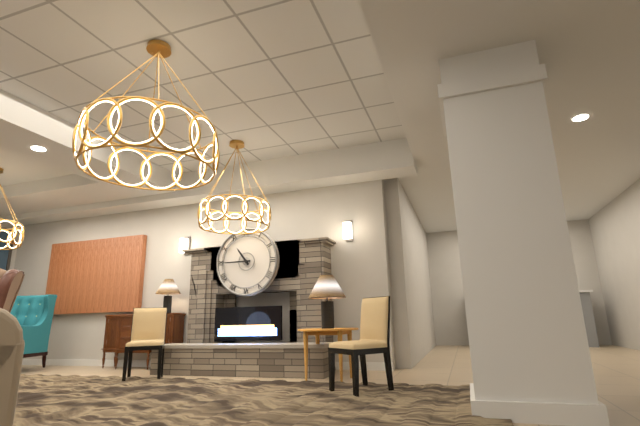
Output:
10 h 45 min
